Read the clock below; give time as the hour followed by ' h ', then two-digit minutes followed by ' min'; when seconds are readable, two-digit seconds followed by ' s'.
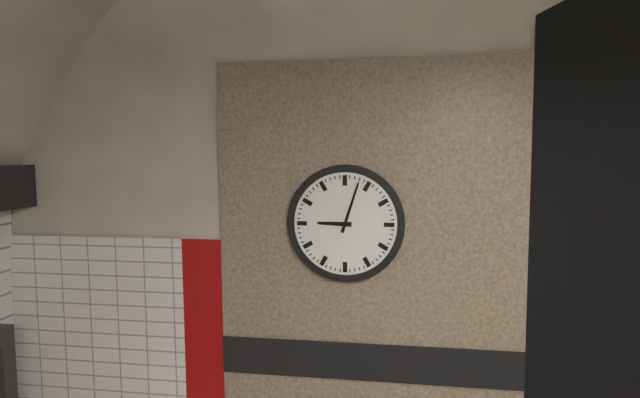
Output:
9 h 03 min
